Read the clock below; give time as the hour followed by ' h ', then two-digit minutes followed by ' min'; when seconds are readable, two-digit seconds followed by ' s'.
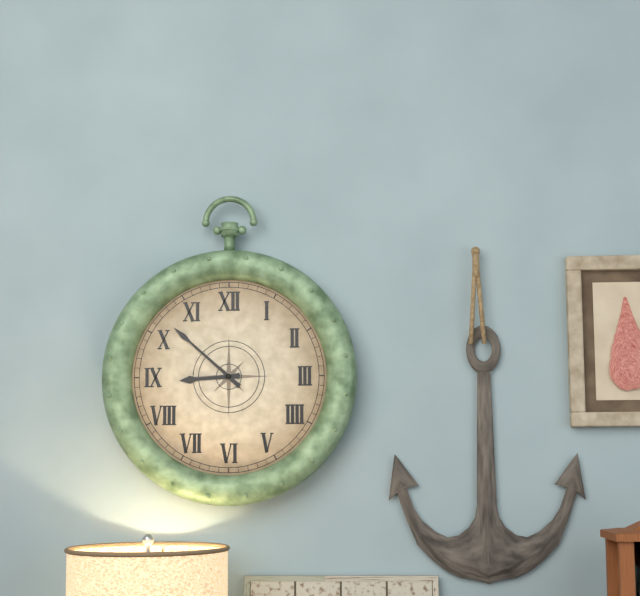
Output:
8 h 52 min
